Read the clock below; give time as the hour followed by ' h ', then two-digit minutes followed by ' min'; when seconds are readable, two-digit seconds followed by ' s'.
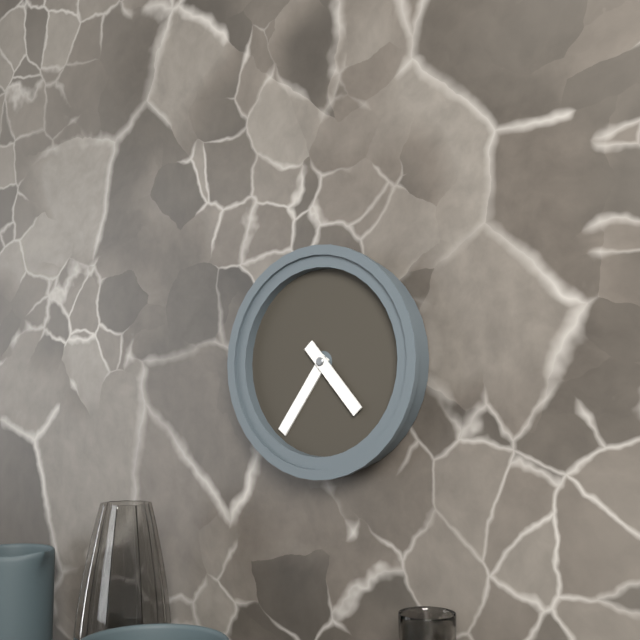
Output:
4 h 36 min
